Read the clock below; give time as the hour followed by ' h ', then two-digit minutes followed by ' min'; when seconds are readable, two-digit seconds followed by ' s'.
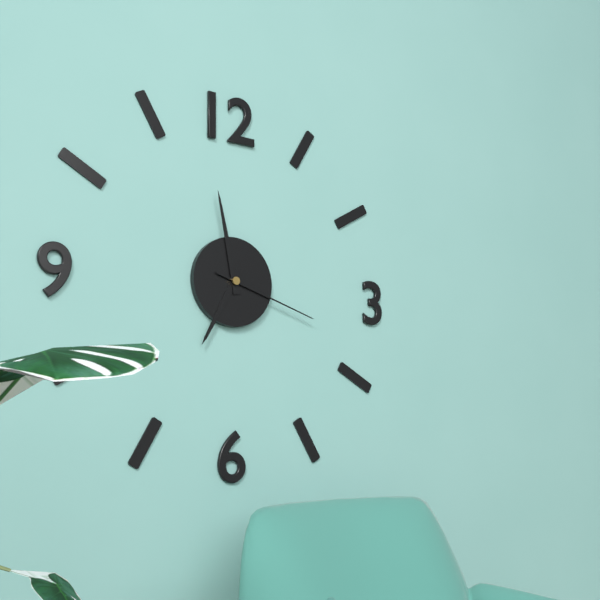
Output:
6 h 58 min 18 s
